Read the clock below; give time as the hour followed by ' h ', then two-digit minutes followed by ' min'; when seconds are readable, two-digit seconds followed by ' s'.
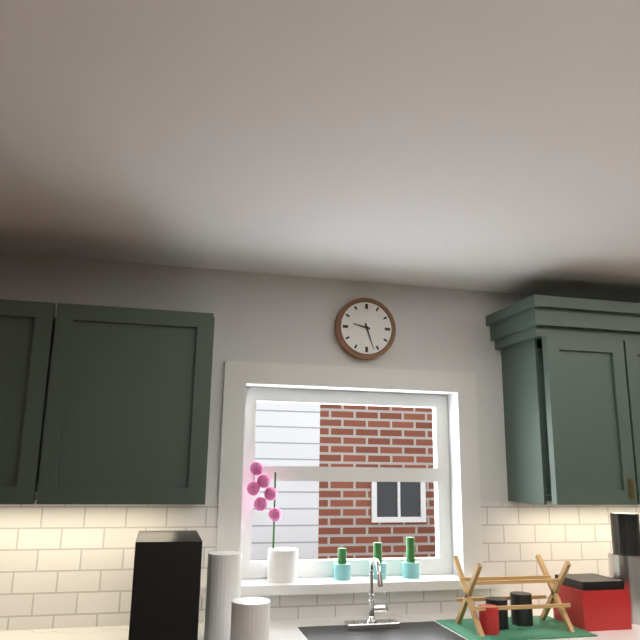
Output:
9 h 27 min
